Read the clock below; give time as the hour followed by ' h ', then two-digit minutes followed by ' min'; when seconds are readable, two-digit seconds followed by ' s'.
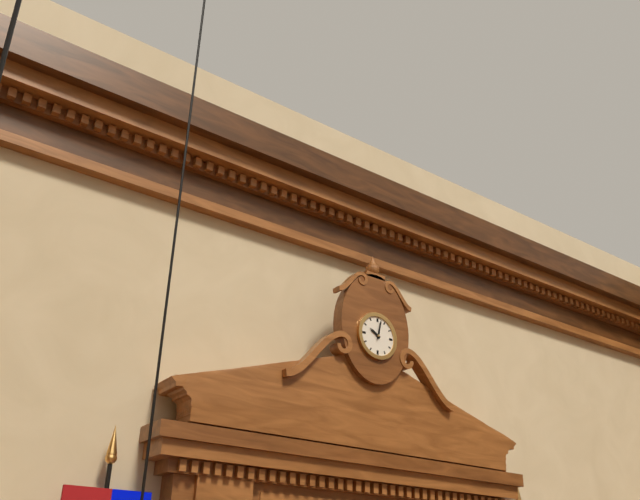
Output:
10 h 02 min
